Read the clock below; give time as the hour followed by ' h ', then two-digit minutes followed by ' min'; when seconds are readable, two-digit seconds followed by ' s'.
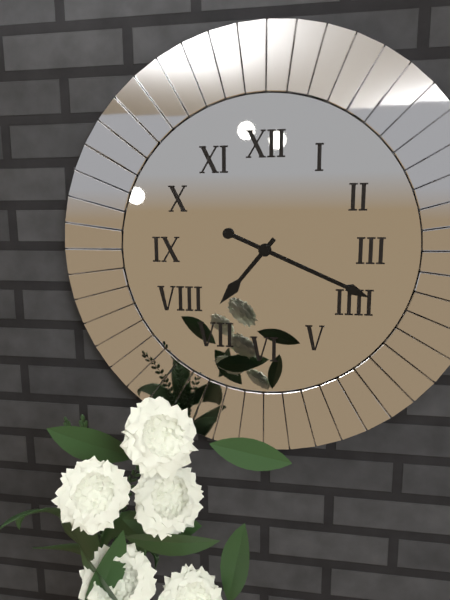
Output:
7 h 19 min
